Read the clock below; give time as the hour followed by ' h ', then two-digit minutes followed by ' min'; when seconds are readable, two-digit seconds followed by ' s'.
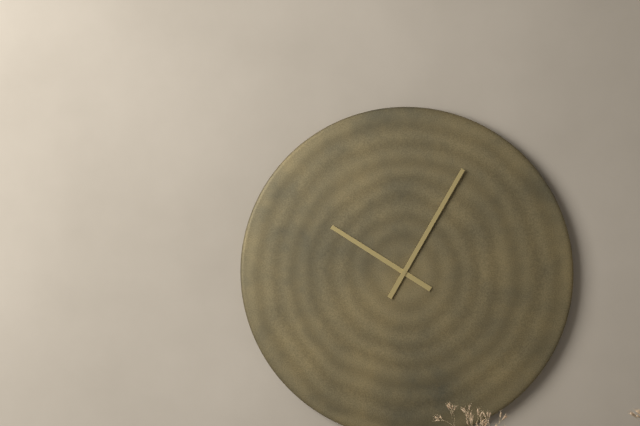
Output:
10 h 05 min
